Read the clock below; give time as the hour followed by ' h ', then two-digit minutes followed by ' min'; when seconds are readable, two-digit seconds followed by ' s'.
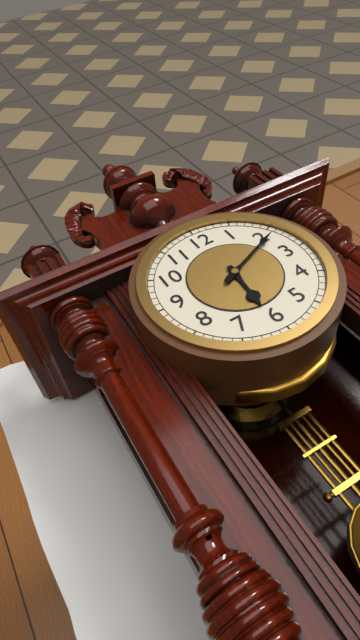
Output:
6 h 11 min
